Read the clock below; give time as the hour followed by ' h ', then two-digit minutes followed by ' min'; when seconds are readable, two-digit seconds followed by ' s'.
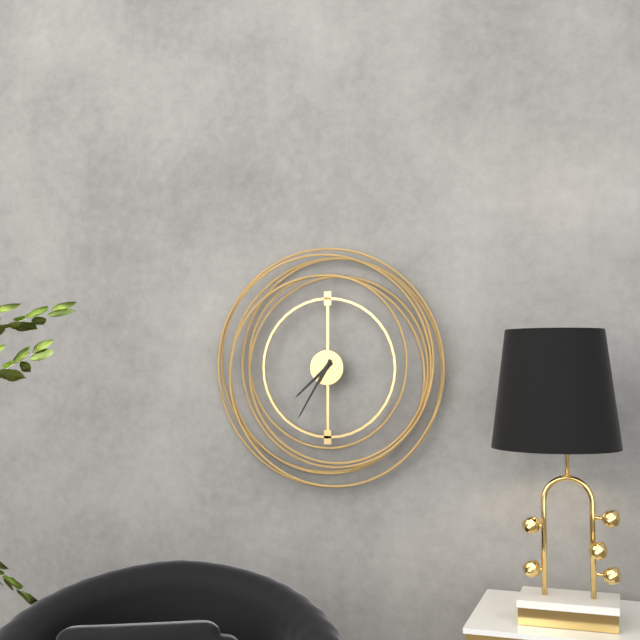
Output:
7 h 35 min
